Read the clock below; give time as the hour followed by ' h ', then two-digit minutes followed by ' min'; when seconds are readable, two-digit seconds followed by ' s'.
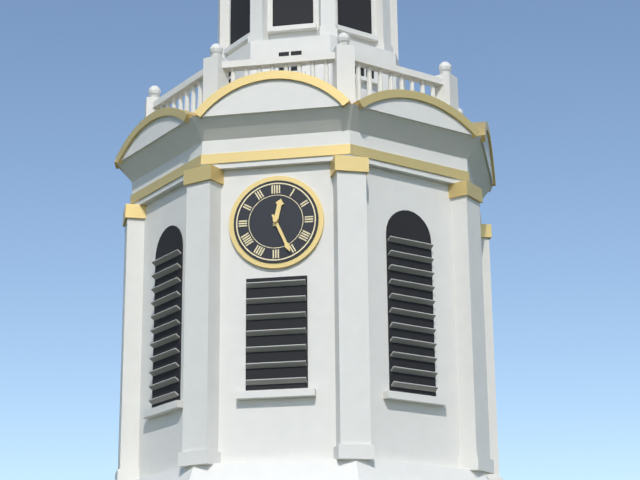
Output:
12 h 26 min
